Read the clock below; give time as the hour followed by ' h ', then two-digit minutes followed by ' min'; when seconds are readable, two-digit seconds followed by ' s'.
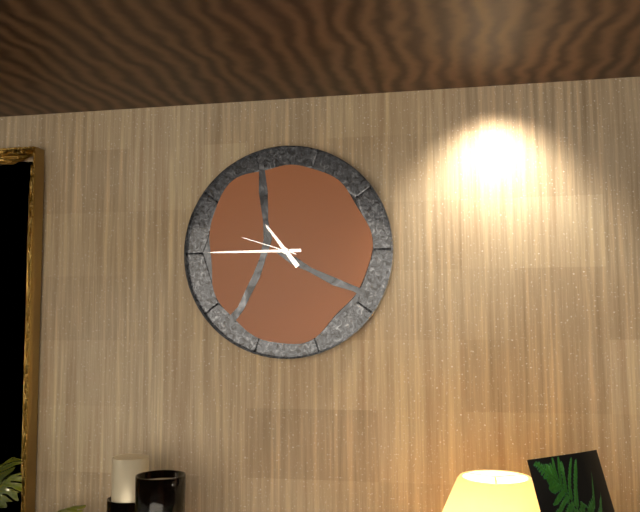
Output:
10 h 45 min 48 s
